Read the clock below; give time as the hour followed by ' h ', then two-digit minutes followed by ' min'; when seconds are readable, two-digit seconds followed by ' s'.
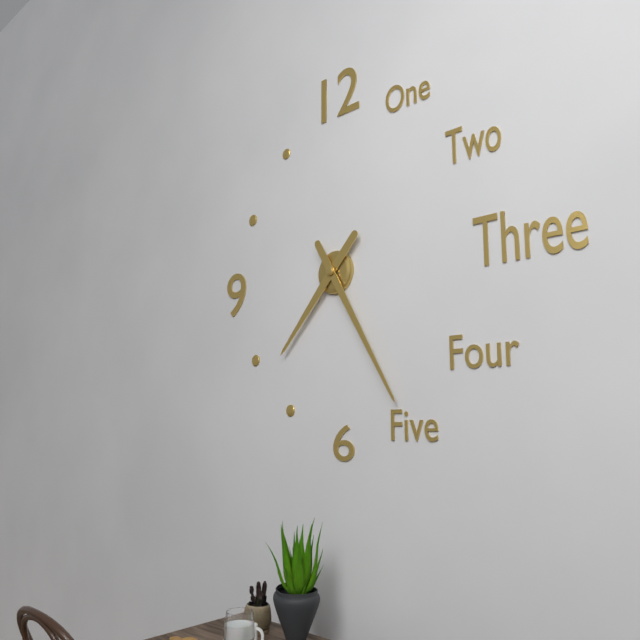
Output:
7 h 25 min
